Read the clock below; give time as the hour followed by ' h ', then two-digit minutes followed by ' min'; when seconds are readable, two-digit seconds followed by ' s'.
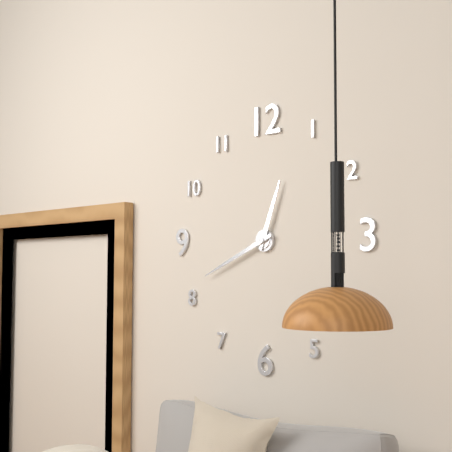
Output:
12 h 41 min
